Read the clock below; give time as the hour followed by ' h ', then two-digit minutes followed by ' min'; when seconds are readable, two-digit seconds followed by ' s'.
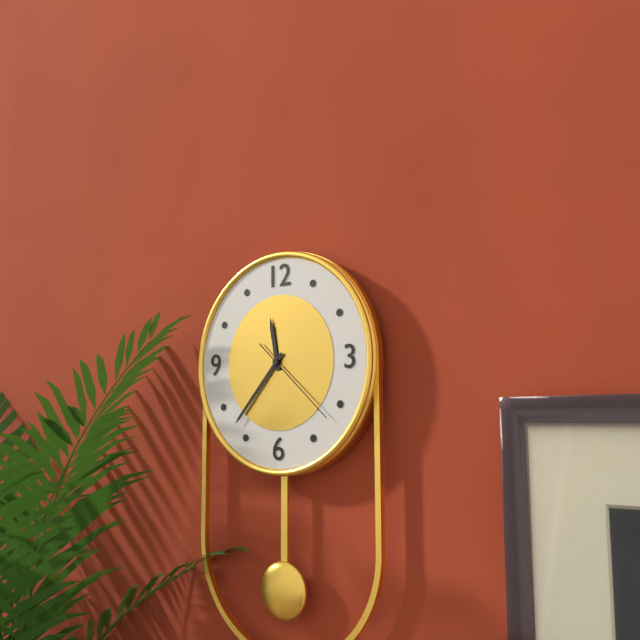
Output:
11 h 37 min 22 s
